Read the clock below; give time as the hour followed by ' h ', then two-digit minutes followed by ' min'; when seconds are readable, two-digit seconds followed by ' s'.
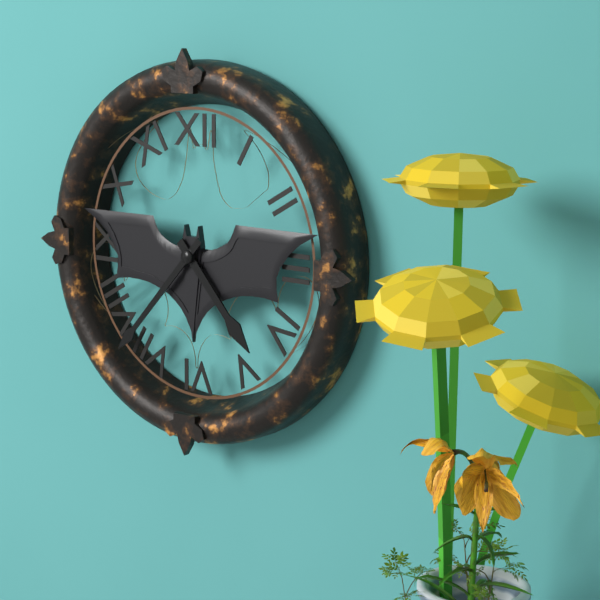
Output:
4 h 37 min
